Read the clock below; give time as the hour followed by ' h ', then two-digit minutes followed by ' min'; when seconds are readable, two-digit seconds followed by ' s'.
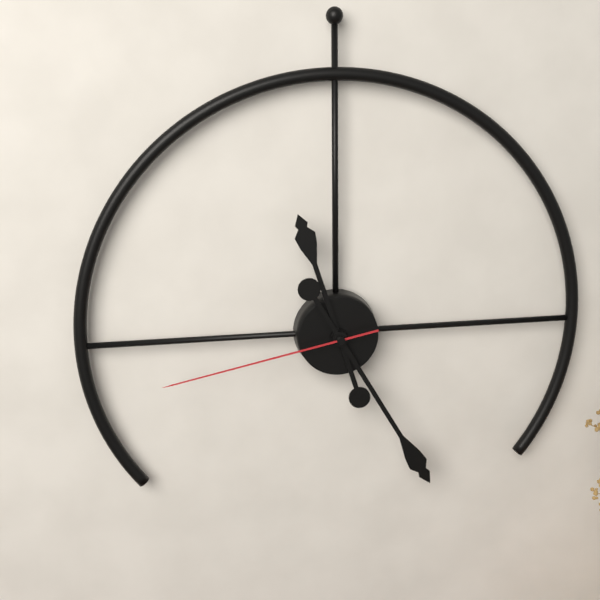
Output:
11 h 25 min 43 s
